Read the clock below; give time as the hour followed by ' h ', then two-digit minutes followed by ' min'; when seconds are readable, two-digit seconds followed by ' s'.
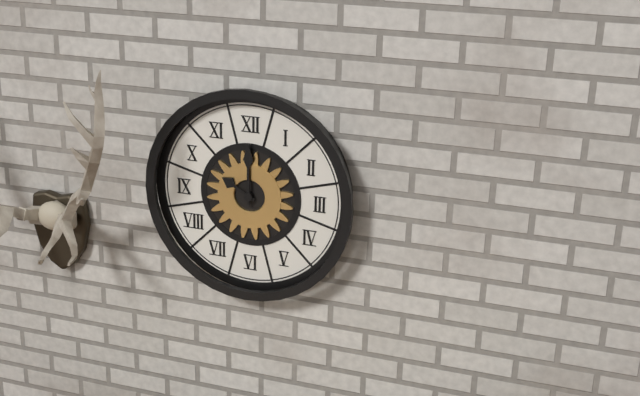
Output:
10 h 00 min
